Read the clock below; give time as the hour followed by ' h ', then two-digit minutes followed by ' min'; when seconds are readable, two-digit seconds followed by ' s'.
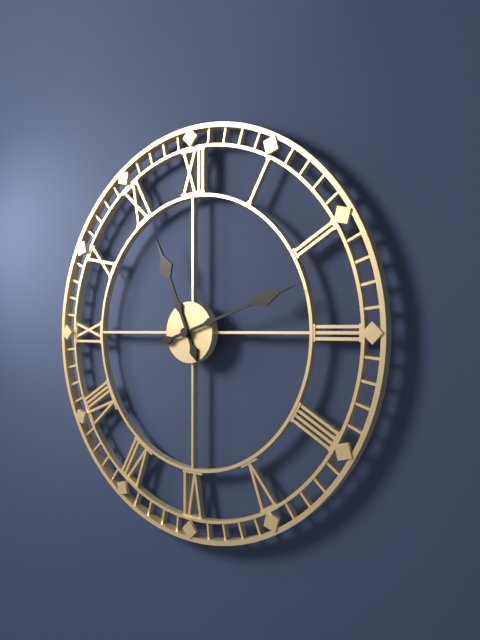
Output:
11 h 12 min
